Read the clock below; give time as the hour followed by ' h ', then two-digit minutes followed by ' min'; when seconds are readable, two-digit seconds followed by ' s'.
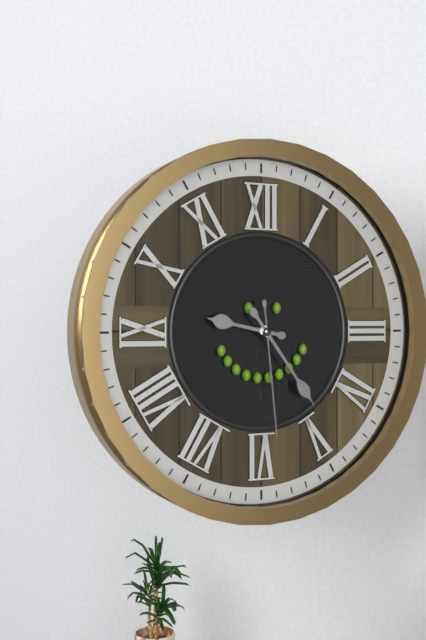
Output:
9 h 24 min 29 s
